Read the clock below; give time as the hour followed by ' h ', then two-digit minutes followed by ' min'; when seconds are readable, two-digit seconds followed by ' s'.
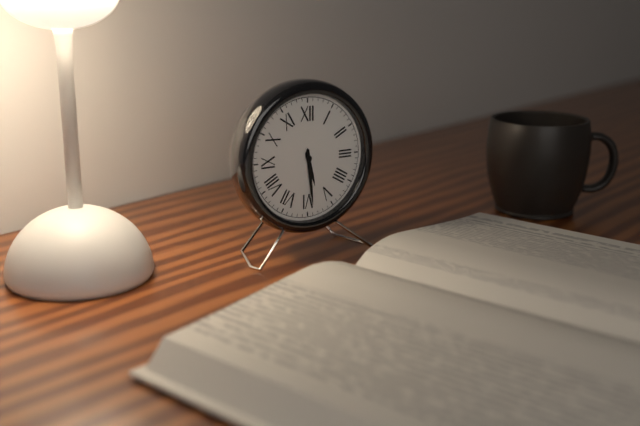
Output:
5 h 29 min
